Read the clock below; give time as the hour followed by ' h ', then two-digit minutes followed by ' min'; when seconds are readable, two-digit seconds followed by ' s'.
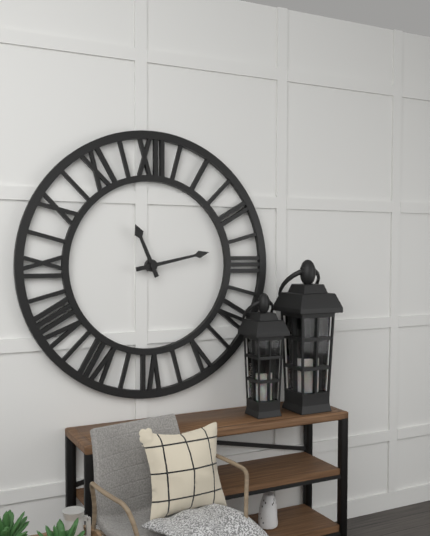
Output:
11 h 13 min
